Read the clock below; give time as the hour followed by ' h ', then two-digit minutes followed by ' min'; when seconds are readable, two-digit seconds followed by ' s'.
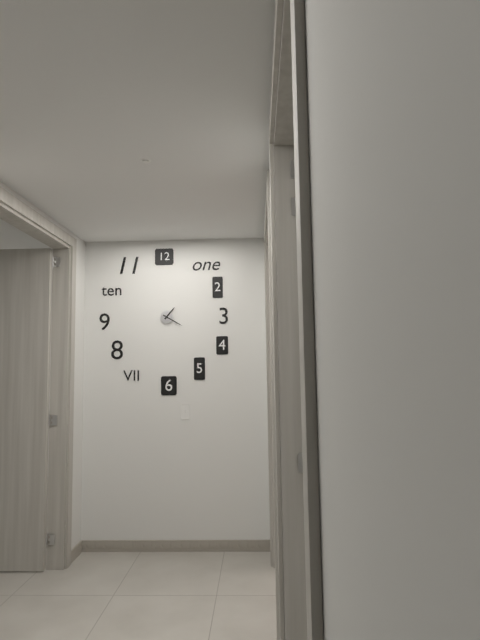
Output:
1 h 20 min
